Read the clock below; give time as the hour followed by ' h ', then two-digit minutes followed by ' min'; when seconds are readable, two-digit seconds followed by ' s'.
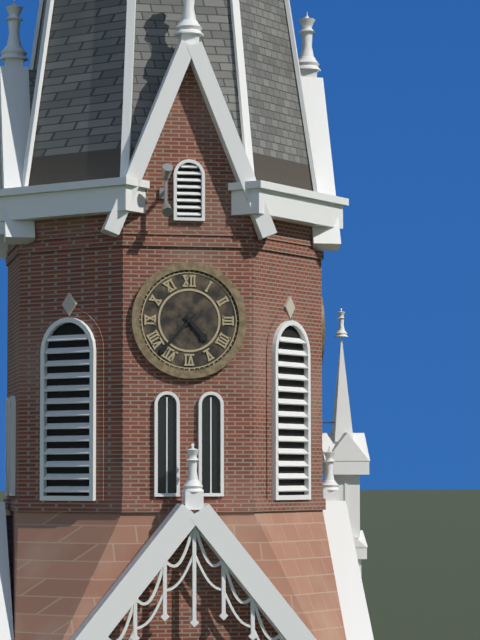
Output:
4 h 37 min
